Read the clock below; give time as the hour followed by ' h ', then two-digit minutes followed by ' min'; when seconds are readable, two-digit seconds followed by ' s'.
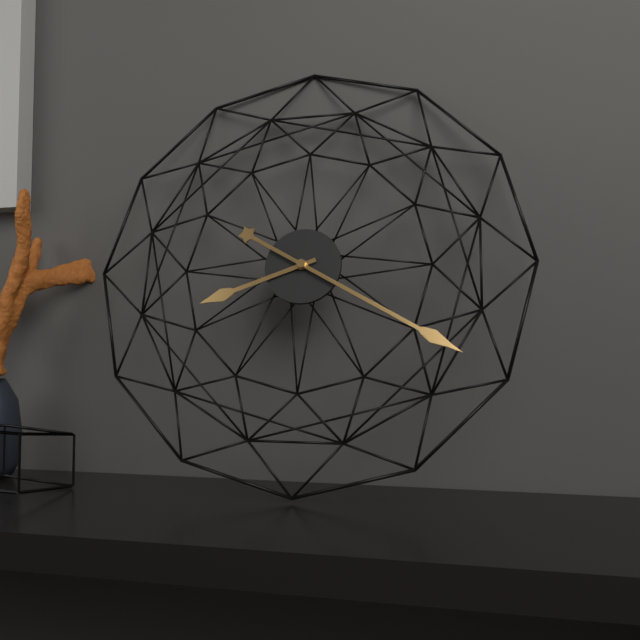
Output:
8 h 20 min
